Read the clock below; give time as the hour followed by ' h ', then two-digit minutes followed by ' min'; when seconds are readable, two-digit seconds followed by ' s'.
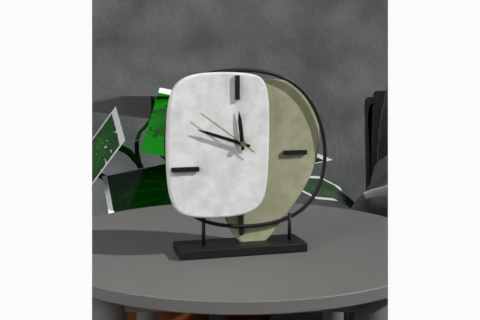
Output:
11 h 48 min 51 s
